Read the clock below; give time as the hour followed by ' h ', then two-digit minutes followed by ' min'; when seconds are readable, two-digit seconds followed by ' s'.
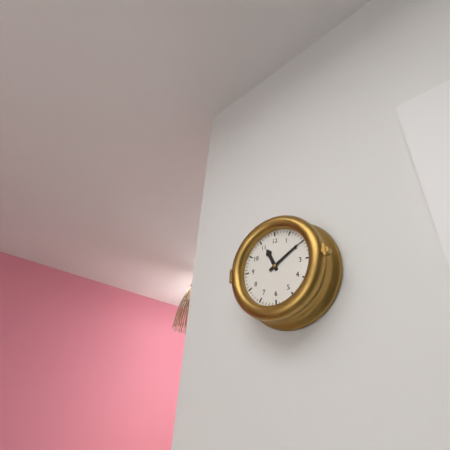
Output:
11 h 10 min
